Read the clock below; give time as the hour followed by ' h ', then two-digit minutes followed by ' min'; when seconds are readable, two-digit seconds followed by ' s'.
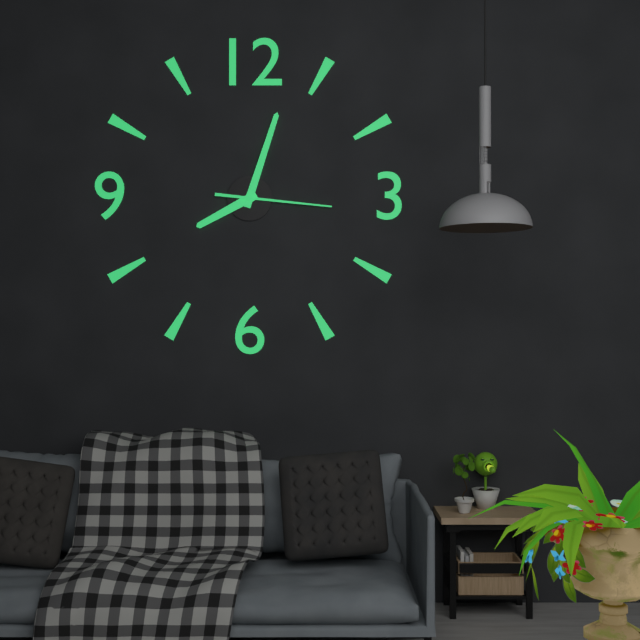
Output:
8 h 03 min 16 s
